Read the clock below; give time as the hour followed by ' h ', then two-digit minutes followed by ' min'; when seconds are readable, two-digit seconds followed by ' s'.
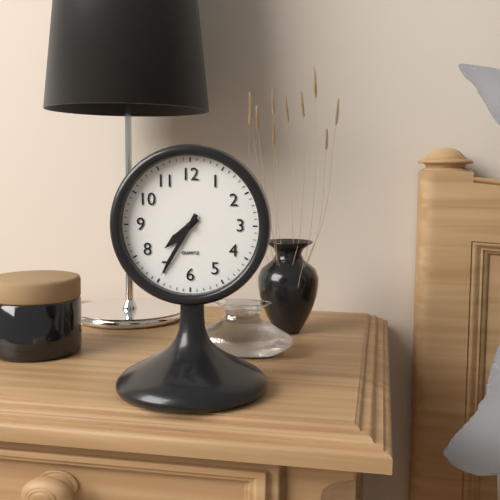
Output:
7 h 35 min
